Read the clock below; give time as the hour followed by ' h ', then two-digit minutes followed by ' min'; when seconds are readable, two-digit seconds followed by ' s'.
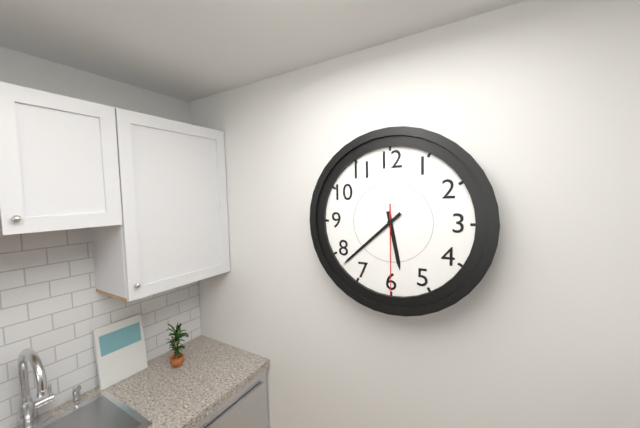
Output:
5 h 38 min 30 s
